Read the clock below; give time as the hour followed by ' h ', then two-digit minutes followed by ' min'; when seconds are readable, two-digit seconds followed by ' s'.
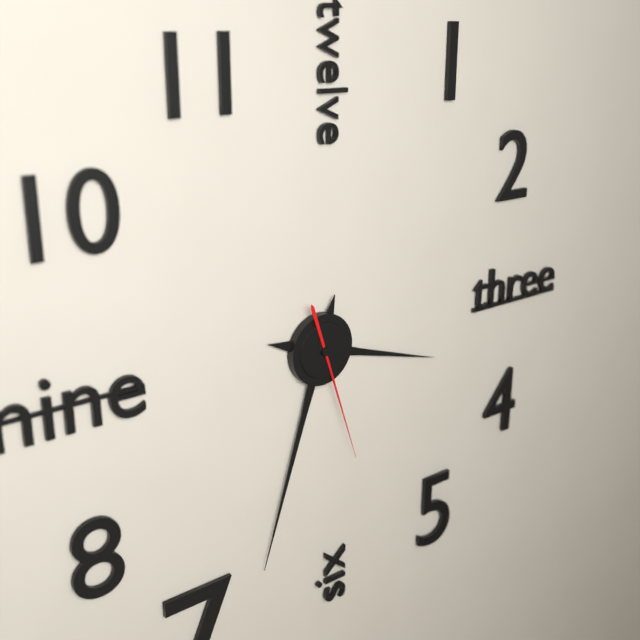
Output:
3 h 33 min 27 s
